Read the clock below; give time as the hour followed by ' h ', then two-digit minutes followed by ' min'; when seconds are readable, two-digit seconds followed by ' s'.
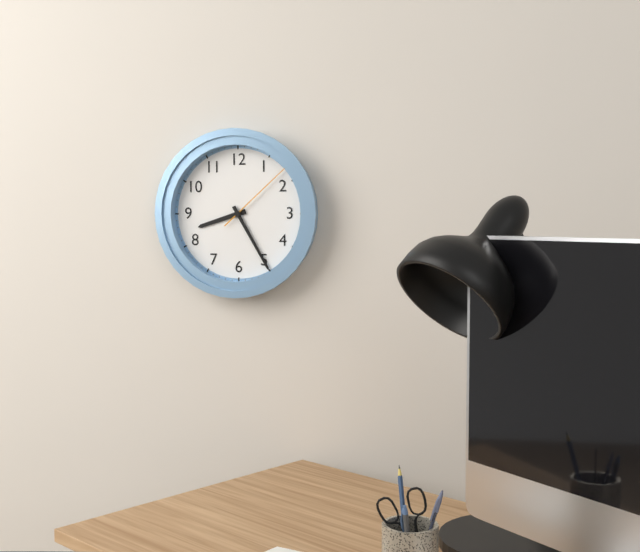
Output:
8 h 25 min 08 s
